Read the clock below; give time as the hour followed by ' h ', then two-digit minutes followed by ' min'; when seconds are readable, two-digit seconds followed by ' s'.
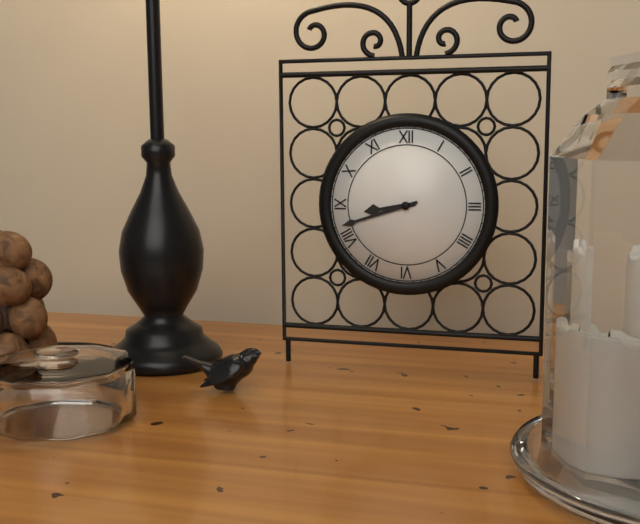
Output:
8 h 42 min
